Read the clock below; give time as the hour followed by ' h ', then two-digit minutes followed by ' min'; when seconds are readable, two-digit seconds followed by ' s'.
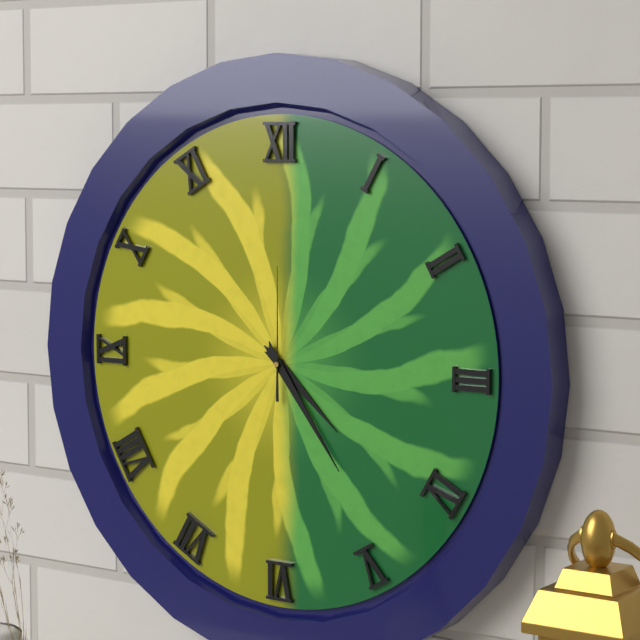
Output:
4 h 24 min 00 s
